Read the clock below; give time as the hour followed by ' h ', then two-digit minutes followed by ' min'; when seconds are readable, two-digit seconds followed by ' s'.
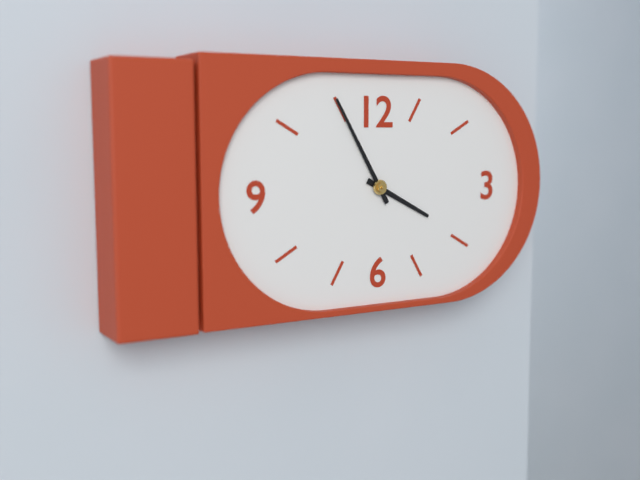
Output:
3 h 55 min
